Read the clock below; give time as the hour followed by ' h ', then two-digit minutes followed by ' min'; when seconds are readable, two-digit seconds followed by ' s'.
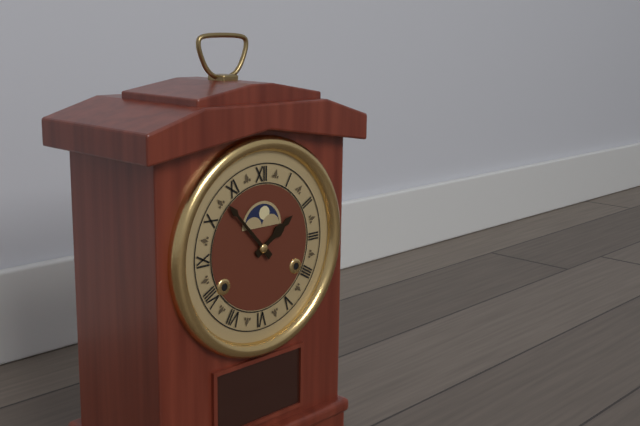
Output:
1 h 53 min
